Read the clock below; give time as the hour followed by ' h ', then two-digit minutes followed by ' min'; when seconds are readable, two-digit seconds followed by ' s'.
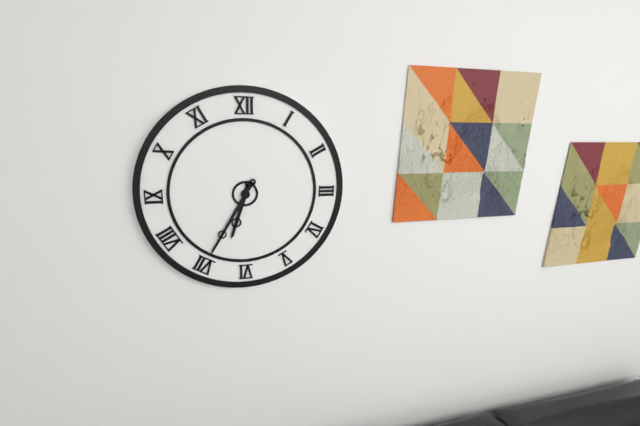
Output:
6 h 35 min
